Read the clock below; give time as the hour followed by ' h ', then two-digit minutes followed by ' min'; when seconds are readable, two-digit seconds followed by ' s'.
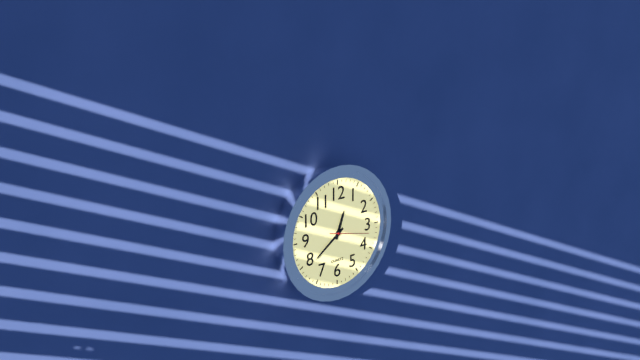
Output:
12 h 39 min 17 s
